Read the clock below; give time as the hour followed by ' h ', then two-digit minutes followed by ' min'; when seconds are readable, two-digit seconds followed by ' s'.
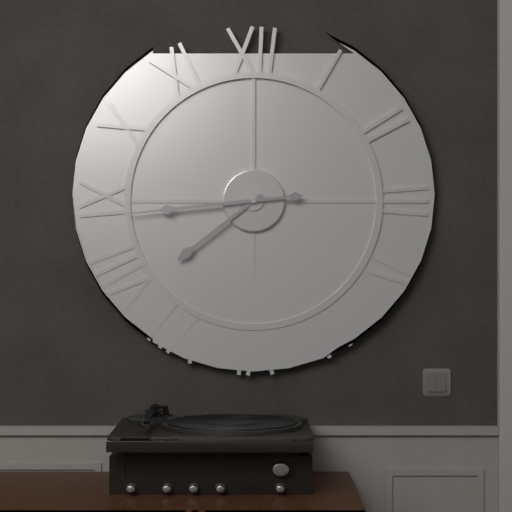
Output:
7 h 44 min
